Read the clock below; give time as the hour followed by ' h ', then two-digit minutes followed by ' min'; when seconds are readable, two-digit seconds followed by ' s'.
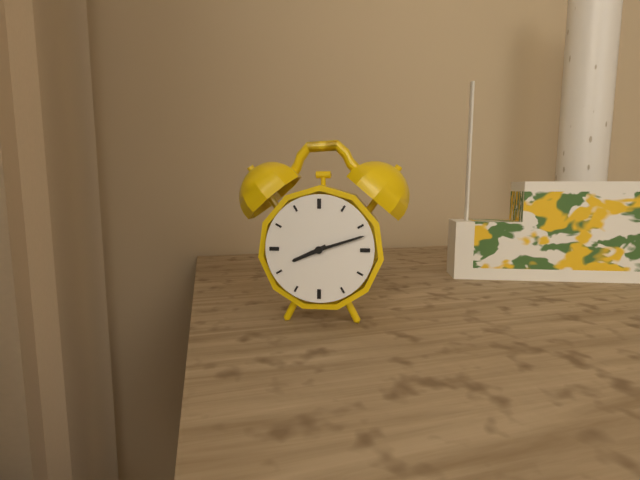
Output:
8 h 12 min
